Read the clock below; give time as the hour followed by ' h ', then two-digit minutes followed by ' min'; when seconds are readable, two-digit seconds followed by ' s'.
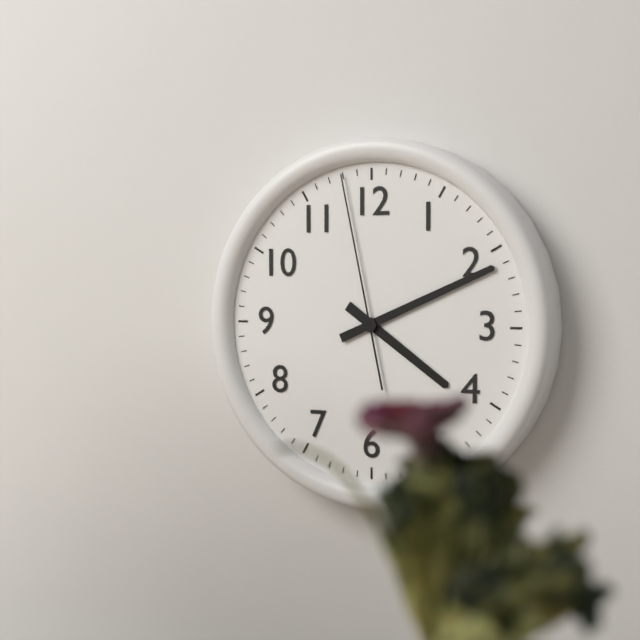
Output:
4 h 11 min 58 s
